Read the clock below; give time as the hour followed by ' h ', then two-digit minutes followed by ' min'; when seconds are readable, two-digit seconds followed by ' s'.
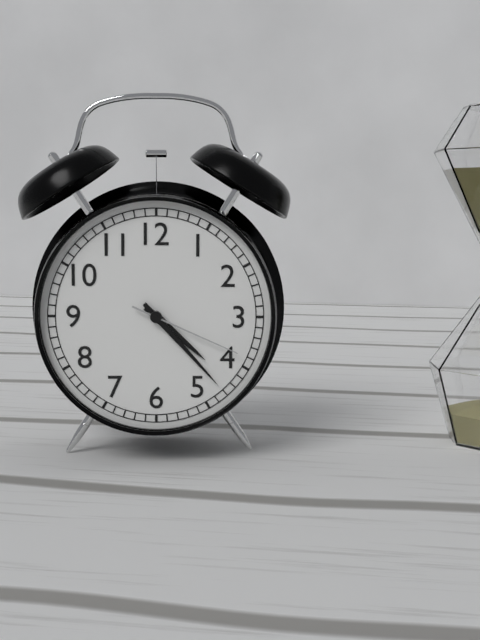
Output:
4 h 23 min 19 s
